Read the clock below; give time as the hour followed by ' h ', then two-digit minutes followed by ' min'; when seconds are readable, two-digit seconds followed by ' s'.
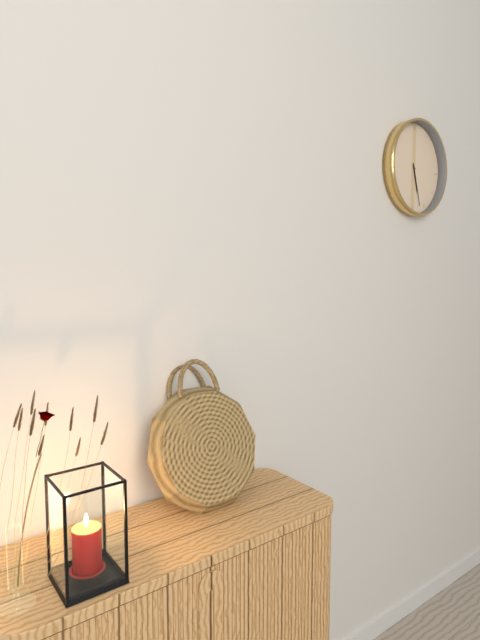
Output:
5 h 27 min
